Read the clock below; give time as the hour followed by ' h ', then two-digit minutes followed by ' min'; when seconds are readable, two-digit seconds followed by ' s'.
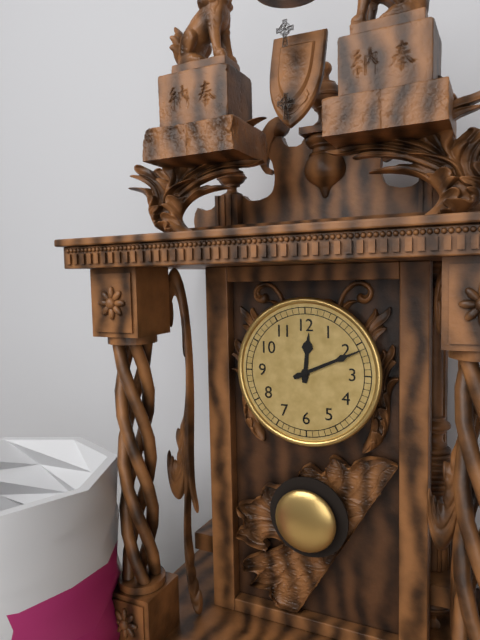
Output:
12 h 11 min
